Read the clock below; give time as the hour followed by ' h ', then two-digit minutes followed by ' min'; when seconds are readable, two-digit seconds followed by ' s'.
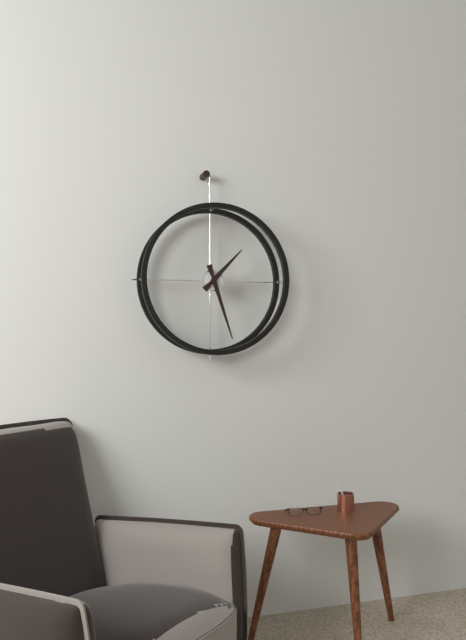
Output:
1 h 27 min
